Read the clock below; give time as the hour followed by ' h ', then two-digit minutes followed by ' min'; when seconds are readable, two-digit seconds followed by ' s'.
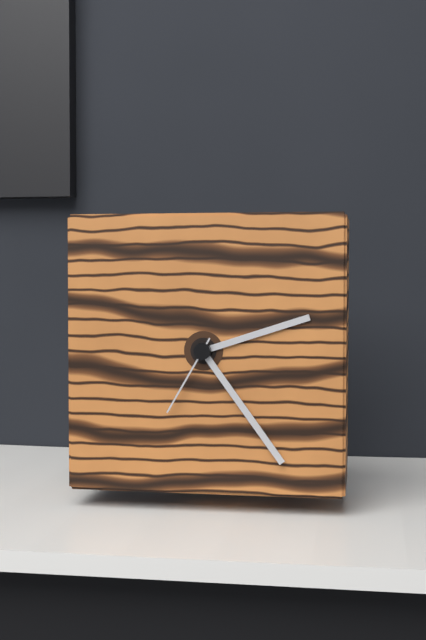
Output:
2 h 24 min 35 s
